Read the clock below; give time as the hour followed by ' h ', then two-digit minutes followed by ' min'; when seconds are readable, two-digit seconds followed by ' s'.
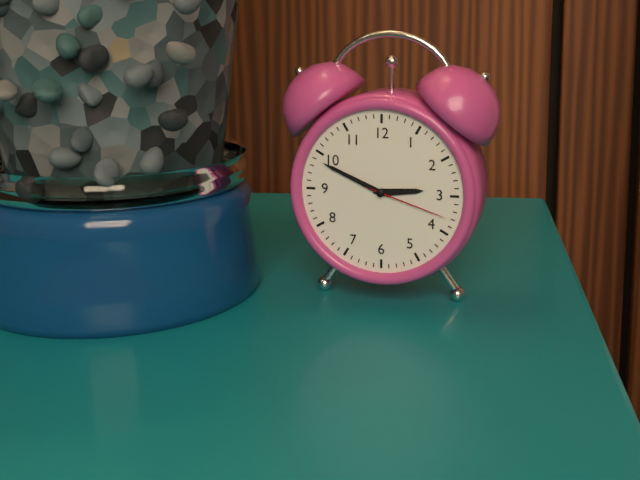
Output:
2 h 49 min 18 s
